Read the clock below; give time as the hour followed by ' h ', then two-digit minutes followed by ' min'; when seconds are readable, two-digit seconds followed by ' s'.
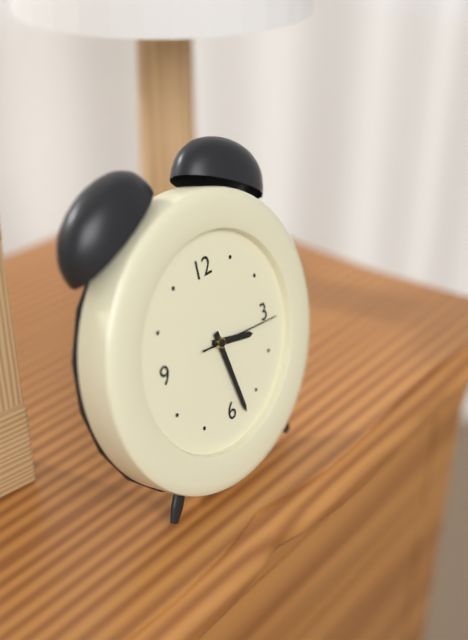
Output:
3 h 28 min 16 s
